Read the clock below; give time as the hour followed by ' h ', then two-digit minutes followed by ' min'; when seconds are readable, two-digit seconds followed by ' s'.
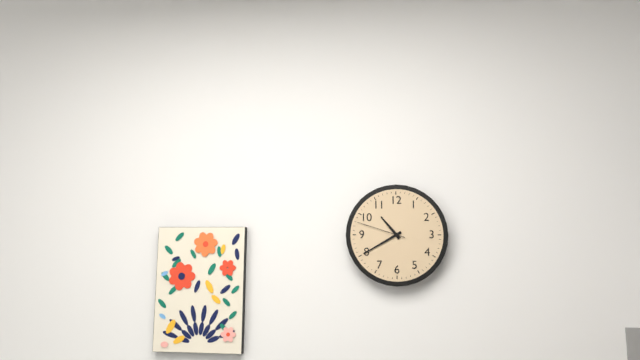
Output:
10 h 40 min 48 s
